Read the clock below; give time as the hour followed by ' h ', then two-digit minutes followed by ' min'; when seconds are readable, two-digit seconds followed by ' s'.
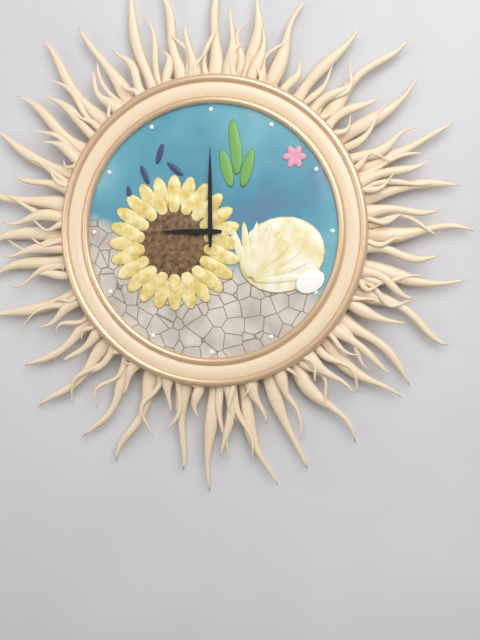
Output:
9 h 00 min
